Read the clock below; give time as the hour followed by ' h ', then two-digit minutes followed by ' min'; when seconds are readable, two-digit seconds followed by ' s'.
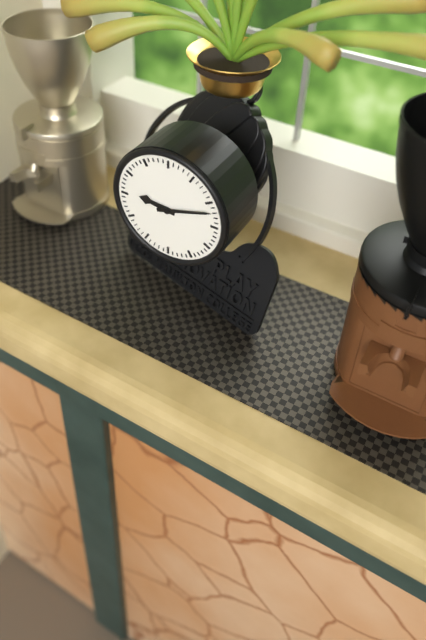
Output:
9 h 12 min
